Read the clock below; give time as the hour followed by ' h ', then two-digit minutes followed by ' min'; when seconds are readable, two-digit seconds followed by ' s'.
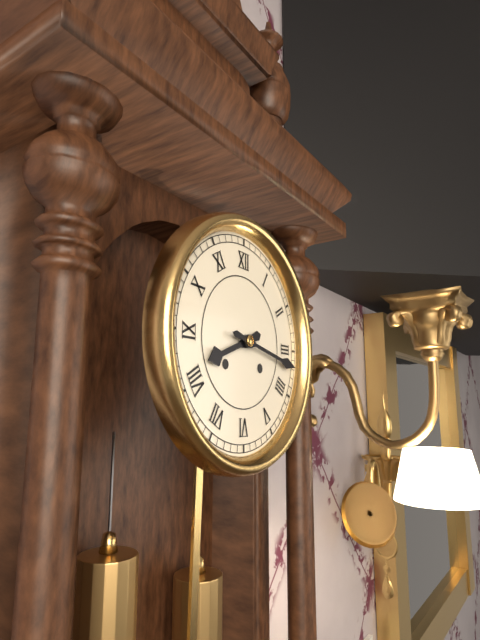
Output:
8 h 17 min
